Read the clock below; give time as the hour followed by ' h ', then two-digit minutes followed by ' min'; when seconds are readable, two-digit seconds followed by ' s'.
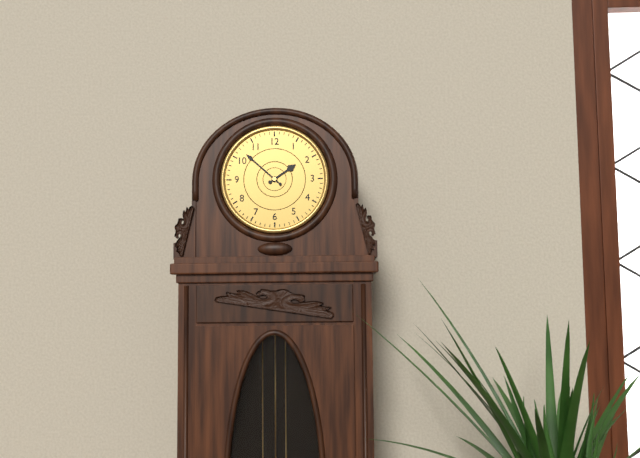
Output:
1 h 52 min
